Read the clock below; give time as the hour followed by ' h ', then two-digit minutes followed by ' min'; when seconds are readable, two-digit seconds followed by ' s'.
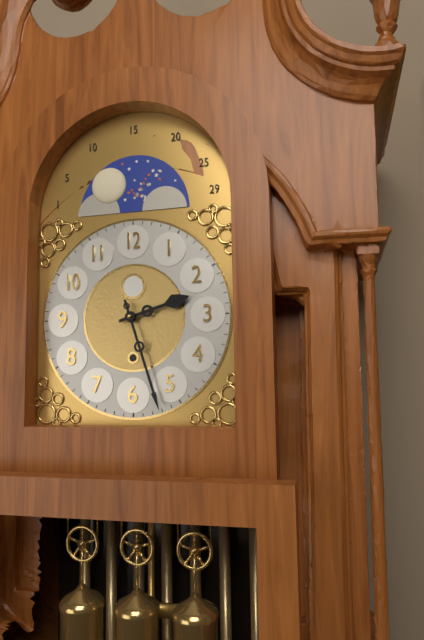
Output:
2 h 27 min
